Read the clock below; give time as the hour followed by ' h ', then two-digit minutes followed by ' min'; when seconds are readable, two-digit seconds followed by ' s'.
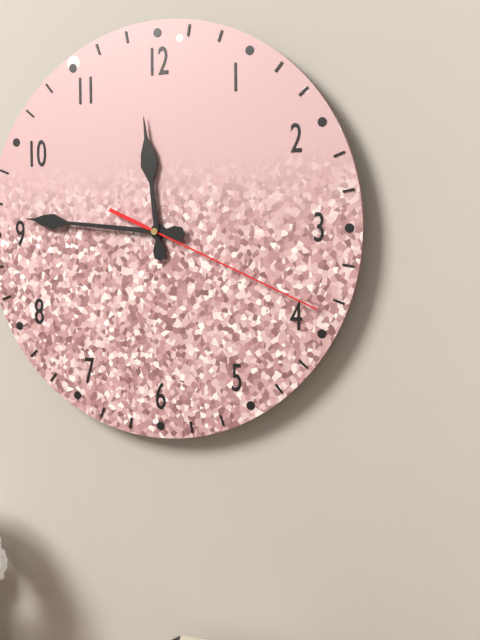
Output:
11 h 46 min 19 s
